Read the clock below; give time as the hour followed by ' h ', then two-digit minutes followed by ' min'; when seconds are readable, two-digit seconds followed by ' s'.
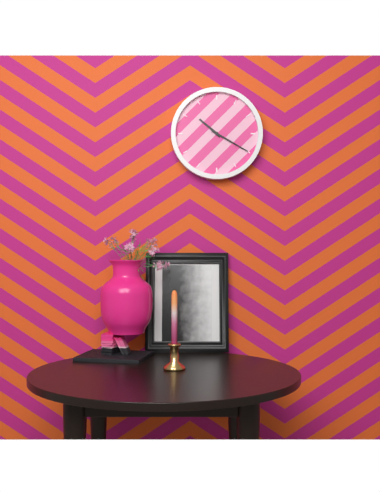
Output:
10 h 20 min
